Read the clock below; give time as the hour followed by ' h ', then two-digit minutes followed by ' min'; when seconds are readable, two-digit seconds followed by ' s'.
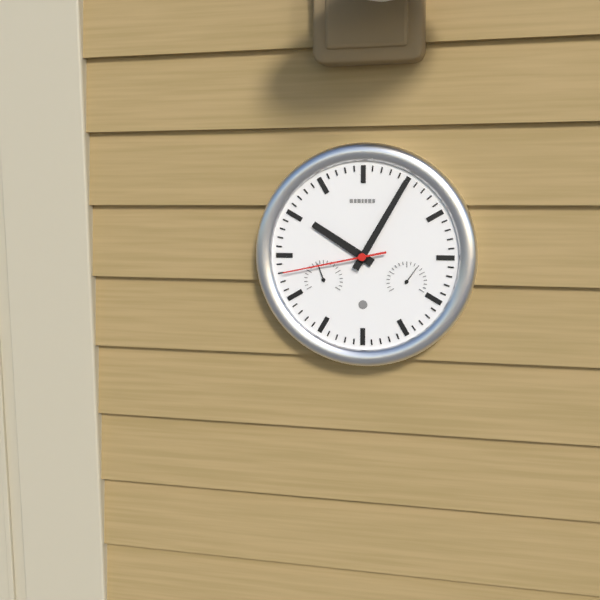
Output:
10 h 05 min 43 s
